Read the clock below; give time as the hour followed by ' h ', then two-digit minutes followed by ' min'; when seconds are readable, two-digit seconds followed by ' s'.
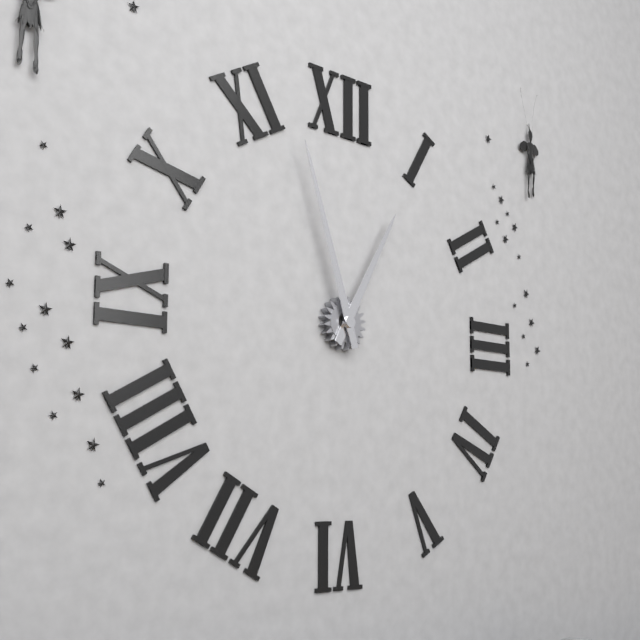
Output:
12 h 57 min
